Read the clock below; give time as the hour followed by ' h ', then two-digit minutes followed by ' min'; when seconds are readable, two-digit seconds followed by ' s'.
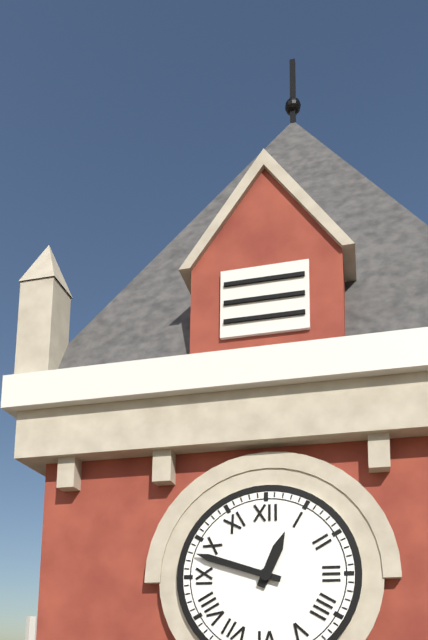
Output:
12 h 48 min
